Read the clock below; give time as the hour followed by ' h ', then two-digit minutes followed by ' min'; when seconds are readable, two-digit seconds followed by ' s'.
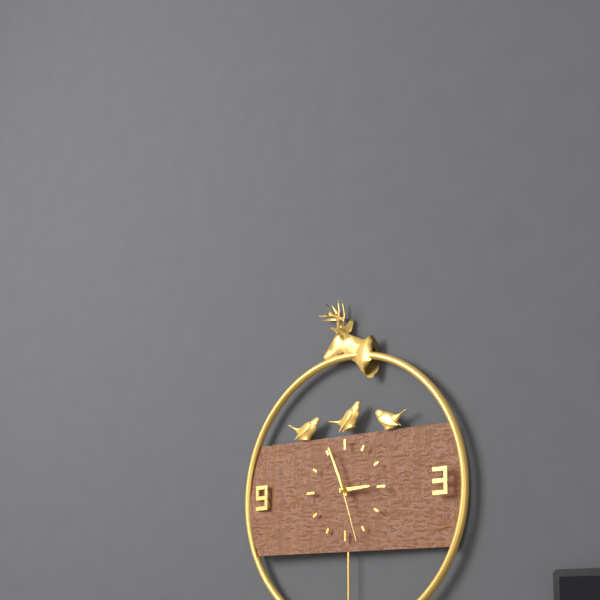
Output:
2 h 56 min 27 s
